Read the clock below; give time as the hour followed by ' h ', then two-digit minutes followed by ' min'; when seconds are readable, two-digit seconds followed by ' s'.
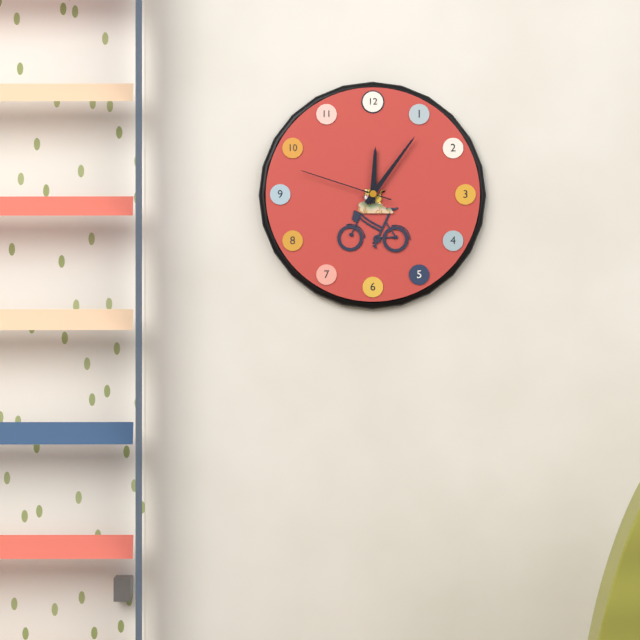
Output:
12 h 06 min 48 s
